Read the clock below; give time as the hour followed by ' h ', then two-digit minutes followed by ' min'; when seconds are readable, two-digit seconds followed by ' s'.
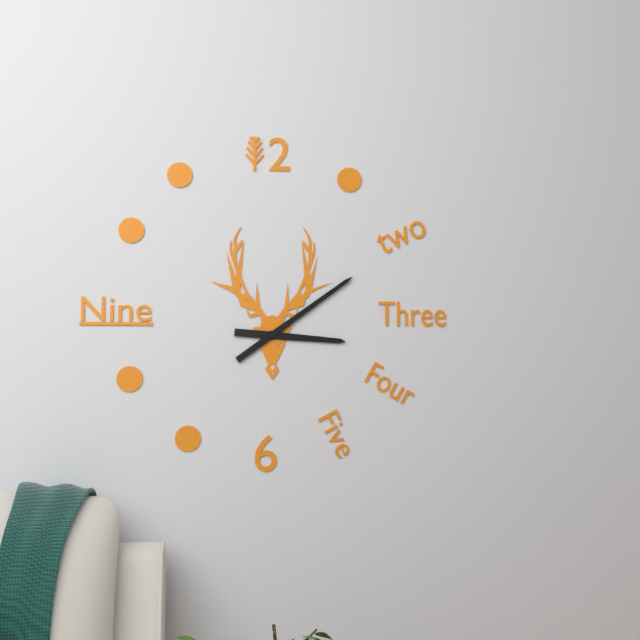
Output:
3 h 09 min
